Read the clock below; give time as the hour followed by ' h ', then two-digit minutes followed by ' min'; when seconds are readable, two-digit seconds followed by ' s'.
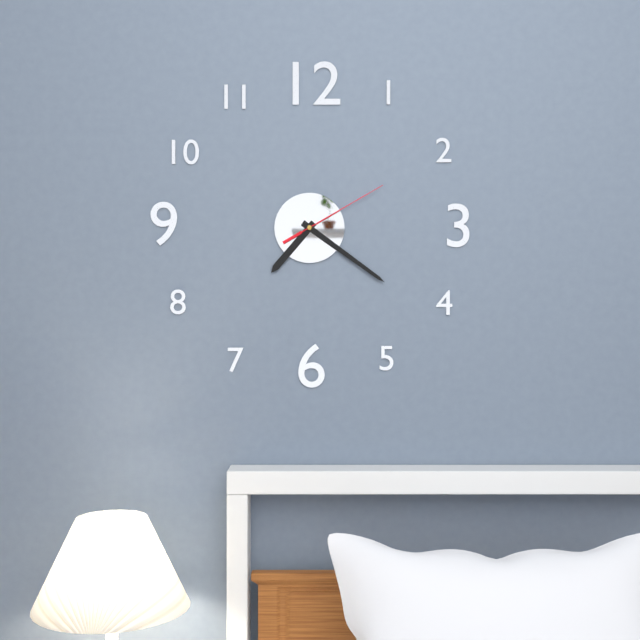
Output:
7 h 21 min 10 s
